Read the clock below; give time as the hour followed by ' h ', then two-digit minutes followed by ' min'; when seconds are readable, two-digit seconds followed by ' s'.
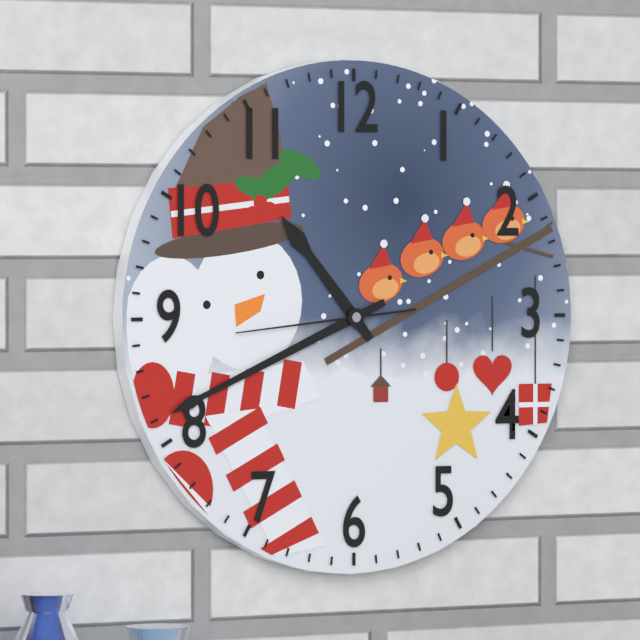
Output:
10 h 41 min 44 s
